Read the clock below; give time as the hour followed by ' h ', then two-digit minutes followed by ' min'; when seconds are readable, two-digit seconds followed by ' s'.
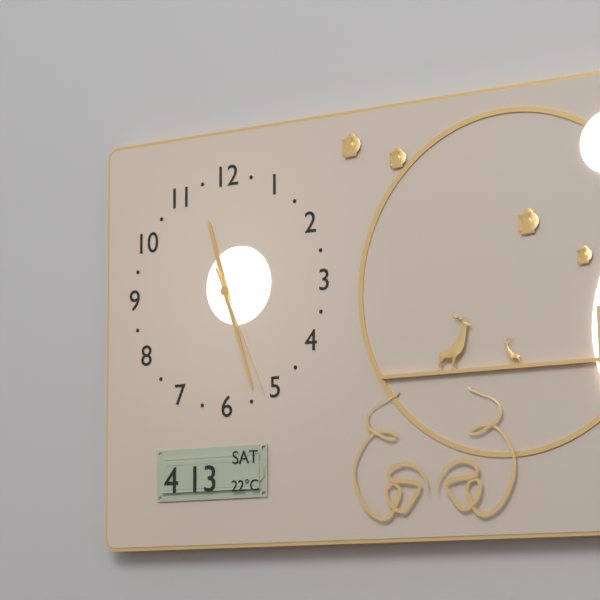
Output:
11 h 27 min 26 s
